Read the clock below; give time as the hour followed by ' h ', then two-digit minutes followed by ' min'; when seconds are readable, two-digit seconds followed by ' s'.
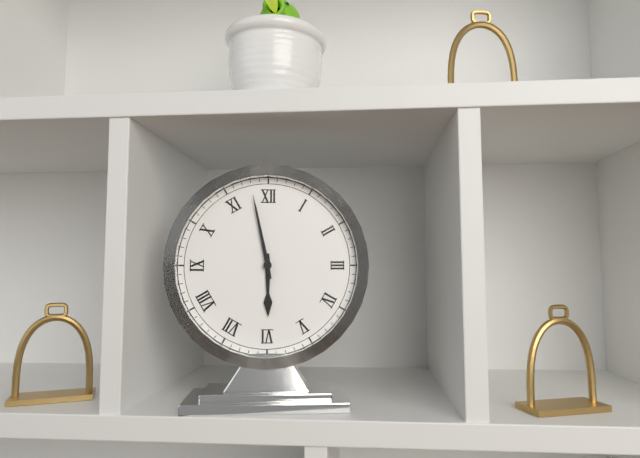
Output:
5 h 58 min
